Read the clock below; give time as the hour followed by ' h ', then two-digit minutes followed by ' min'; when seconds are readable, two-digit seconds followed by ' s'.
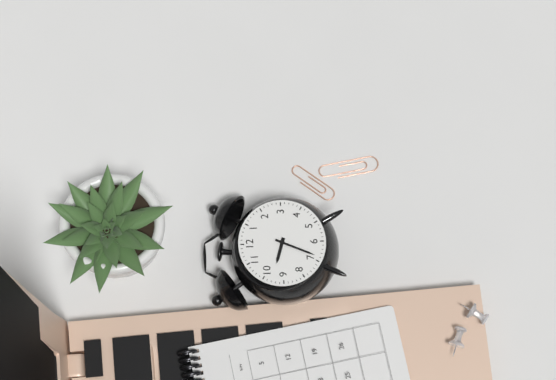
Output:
9 h 34 min
